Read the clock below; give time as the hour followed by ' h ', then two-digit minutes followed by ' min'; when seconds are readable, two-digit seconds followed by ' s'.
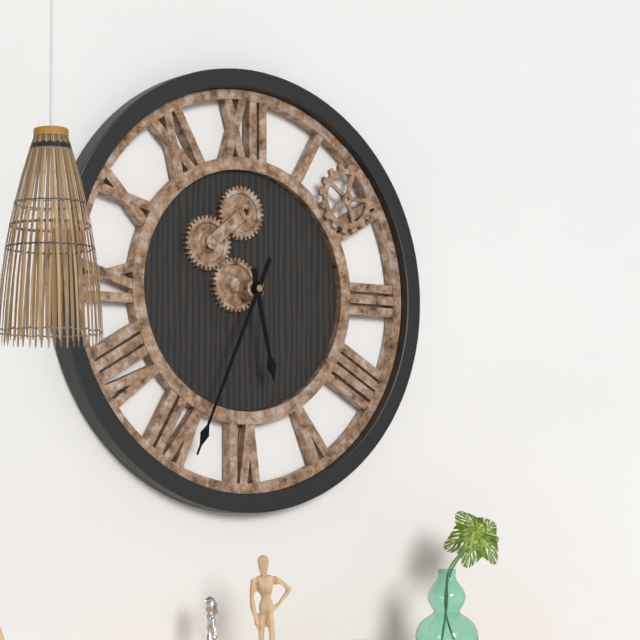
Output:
5 h 34 min
